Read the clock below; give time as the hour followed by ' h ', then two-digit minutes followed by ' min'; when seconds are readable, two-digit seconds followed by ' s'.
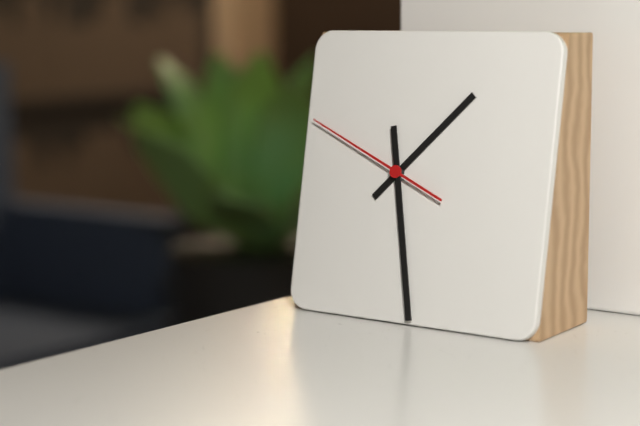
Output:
1 h 28 min 49 s
